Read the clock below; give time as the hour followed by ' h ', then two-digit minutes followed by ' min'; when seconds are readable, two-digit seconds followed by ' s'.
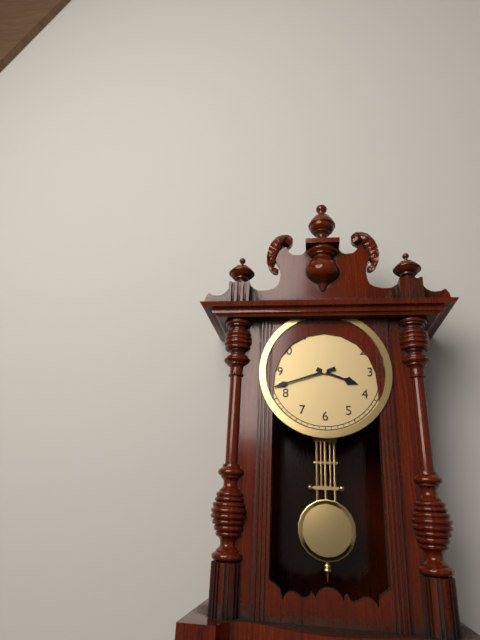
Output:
3 h 42 min
